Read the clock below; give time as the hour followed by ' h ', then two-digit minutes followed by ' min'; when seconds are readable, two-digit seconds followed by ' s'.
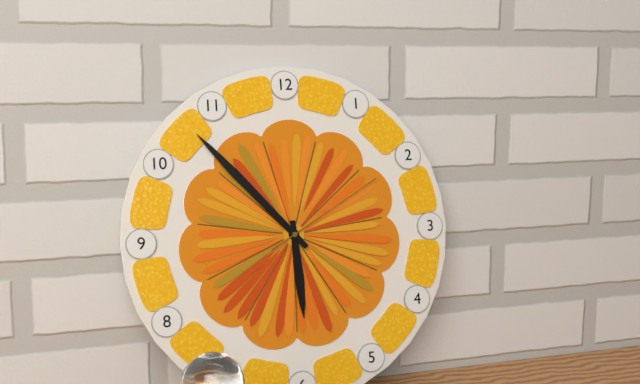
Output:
5 h 53 min 10 s
